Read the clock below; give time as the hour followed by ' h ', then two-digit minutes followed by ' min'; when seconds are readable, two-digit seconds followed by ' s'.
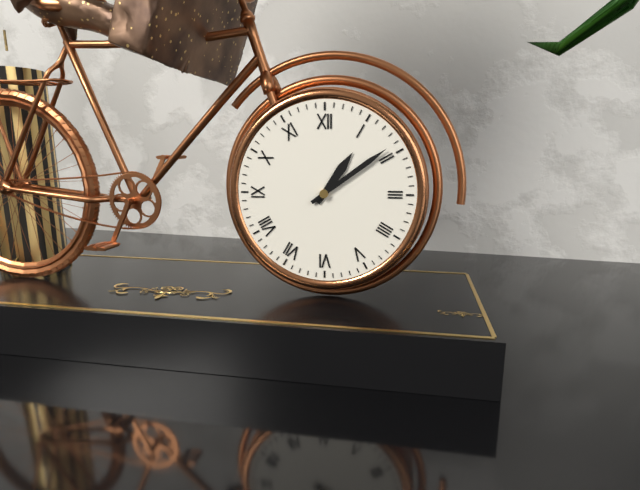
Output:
1 h 09 min
